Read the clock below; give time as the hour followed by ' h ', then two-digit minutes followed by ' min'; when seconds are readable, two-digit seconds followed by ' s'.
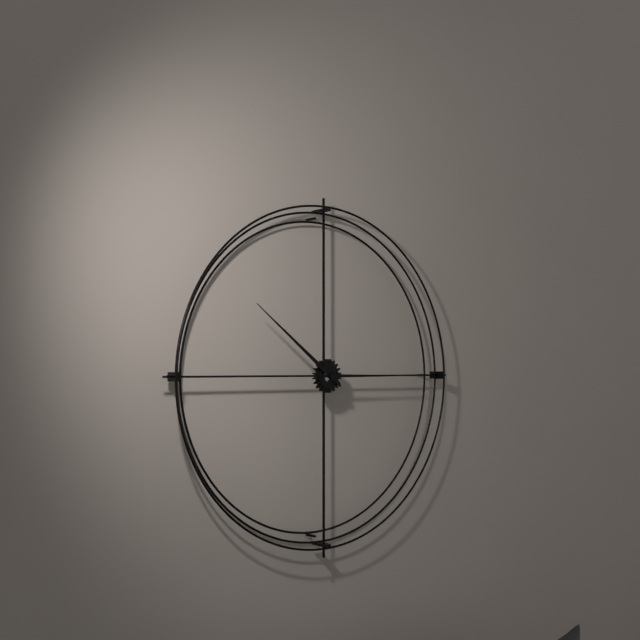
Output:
10 h 15 min
